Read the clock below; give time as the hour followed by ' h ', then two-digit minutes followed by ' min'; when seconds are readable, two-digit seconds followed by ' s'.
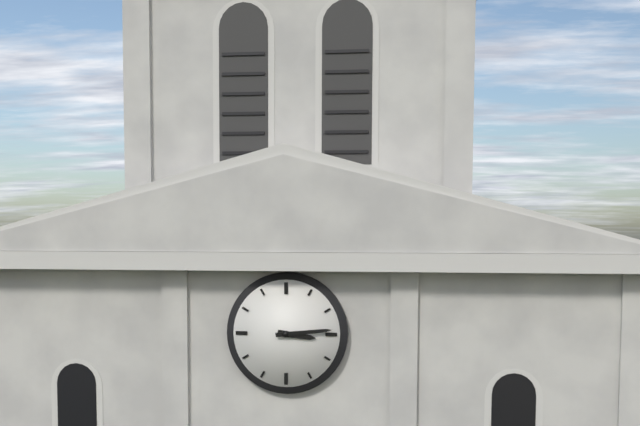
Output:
3 h 14 min
